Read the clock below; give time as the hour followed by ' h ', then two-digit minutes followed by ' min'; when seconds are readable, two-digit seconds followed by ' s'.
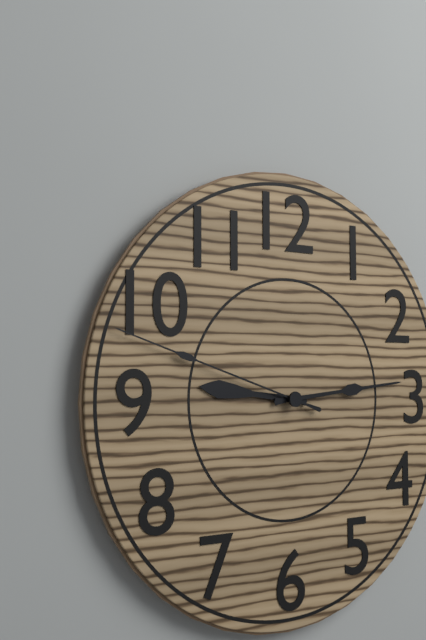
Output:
9 h 14 min 48 s
